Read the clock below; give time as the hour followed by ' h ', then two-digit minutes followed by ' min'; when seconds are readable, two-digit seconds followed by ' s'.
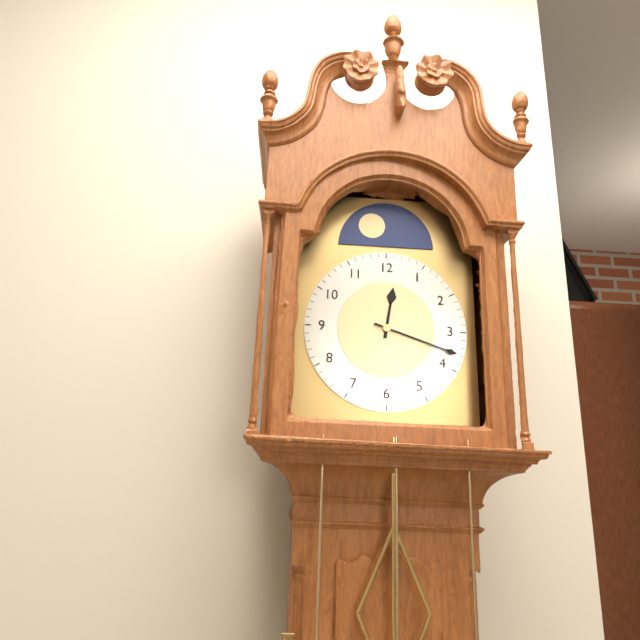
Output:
12 h 18 min
